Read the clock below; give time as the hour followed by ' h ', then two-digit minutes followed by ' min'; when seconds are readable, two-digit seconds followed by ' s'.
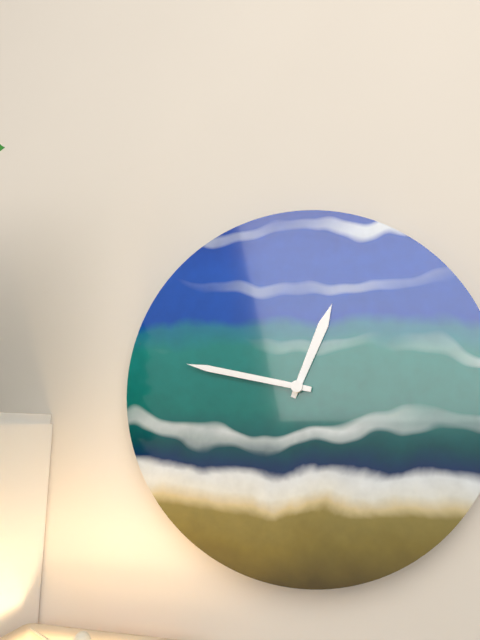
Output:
12 h 47 min
